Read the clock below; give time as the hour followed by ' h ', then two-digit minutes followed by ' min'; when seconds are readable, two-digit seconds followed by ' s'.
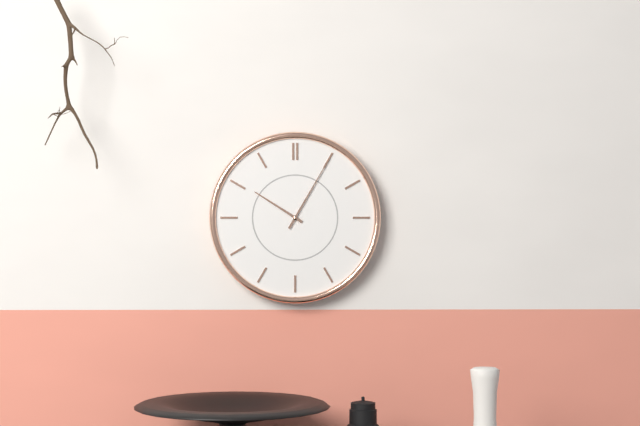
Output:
10 h 05 min
